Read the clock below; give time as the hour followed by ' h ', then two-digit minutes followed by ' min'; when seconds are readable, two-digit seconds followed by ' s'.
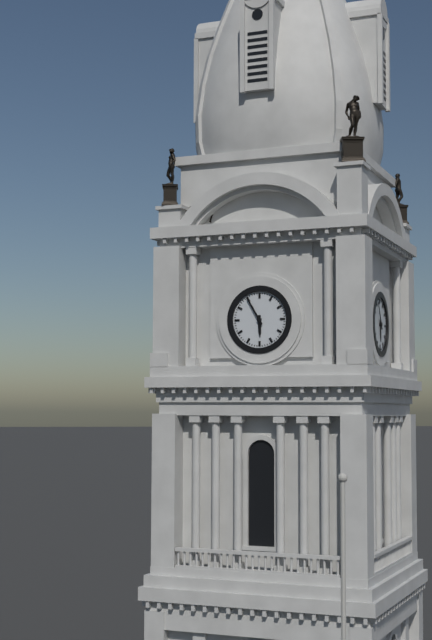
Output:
5 h 55 min
